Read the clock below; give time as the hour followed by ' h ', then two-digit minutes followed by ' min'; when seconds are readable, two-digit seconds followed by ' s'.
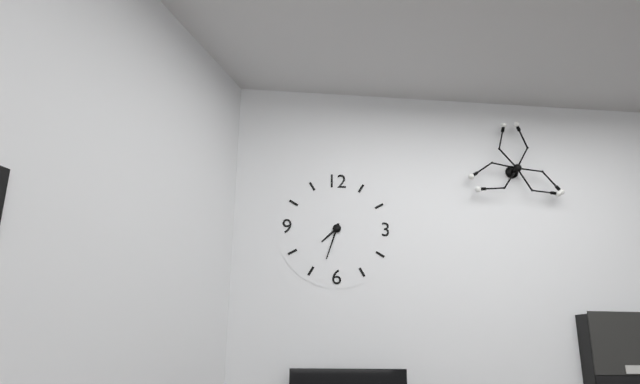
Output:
7 h 33 min
